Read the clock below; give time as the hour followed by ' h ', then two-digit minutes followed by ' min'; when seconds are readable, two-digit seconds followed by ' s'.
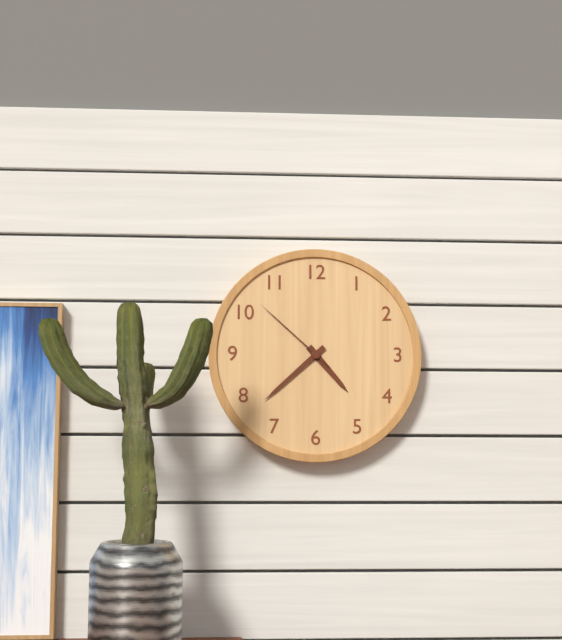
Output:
4 h 38 min 52 s
